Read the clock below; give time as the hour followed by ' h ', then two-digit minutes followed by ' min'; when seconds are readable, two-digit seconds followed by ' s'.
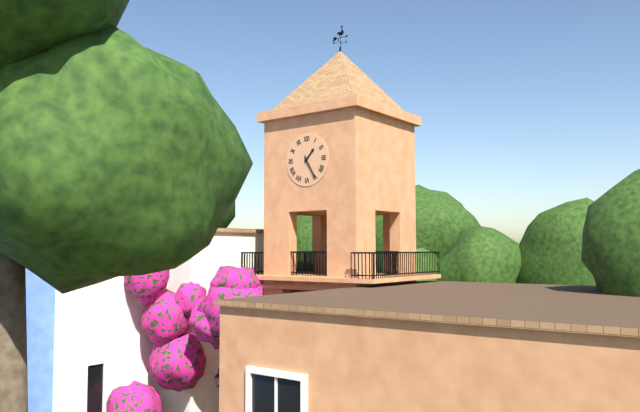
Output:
1 h 25 min
